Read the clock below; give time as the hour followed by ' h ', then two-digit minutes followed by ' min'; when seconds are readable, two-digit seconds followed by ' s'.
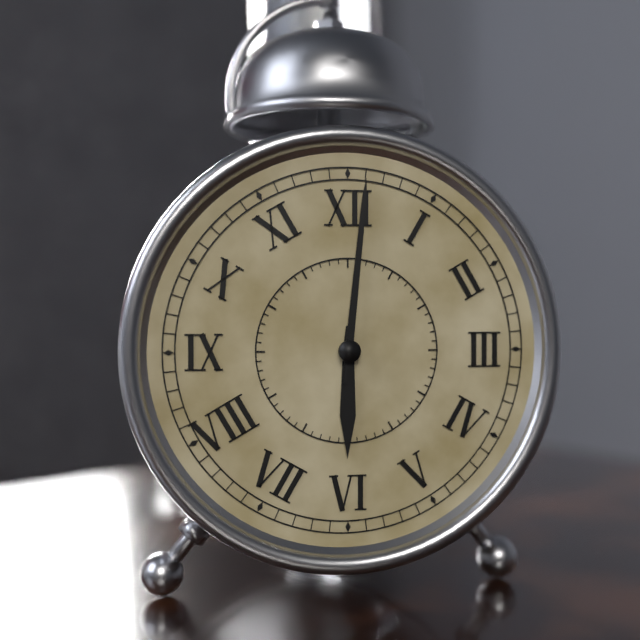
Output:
6 h 01 min
